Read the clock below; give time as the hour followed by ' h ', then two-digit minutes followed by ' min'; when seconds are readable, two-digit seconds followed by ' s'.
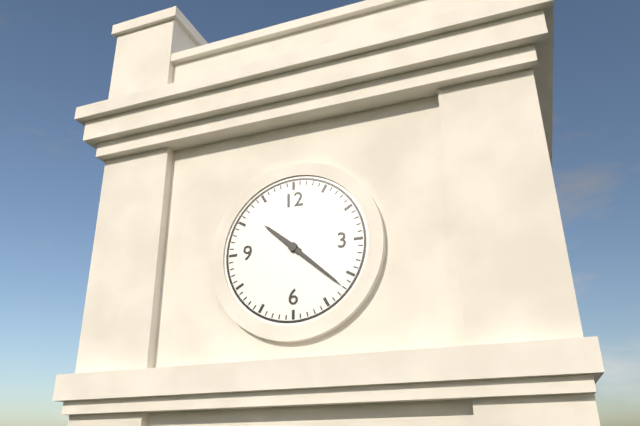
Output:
10 h 22 min
